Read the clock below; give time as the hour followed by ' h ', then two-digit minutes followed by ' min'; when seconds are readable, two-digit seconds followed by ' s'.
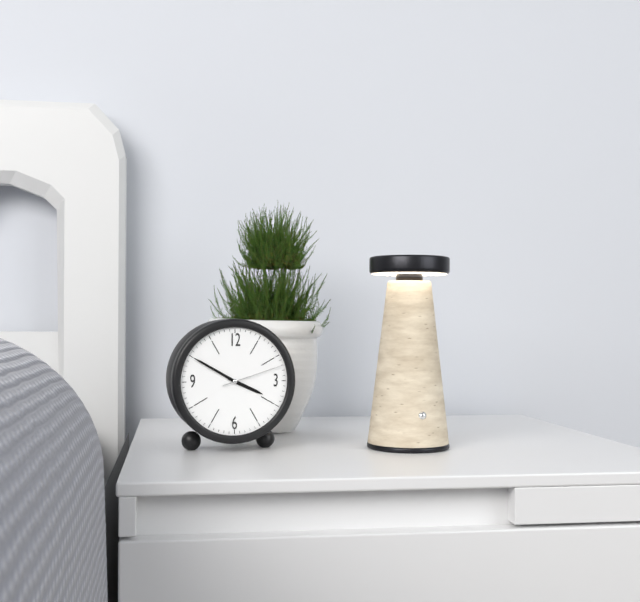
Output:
3 h 50 min 12 s
